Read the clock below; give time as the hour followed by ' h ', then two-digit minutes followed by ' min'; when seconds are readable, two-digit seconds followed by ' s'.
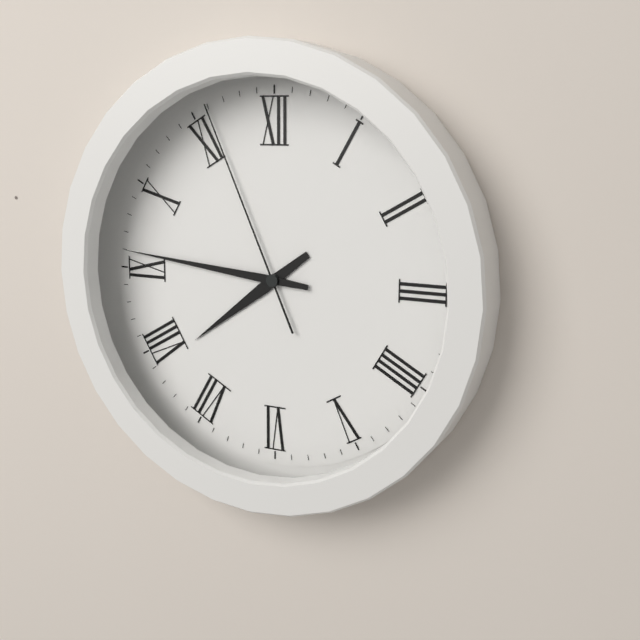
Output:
7 h 46 min 56 s
